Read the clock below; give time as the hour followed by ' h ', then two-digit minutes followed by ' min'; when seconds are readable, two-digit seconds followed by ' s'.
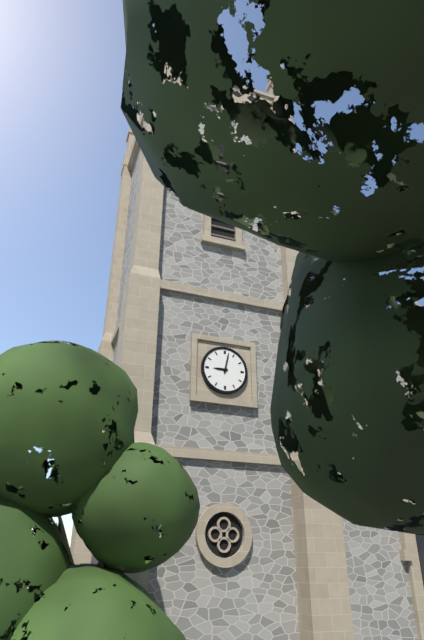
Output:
9 h 02 min
